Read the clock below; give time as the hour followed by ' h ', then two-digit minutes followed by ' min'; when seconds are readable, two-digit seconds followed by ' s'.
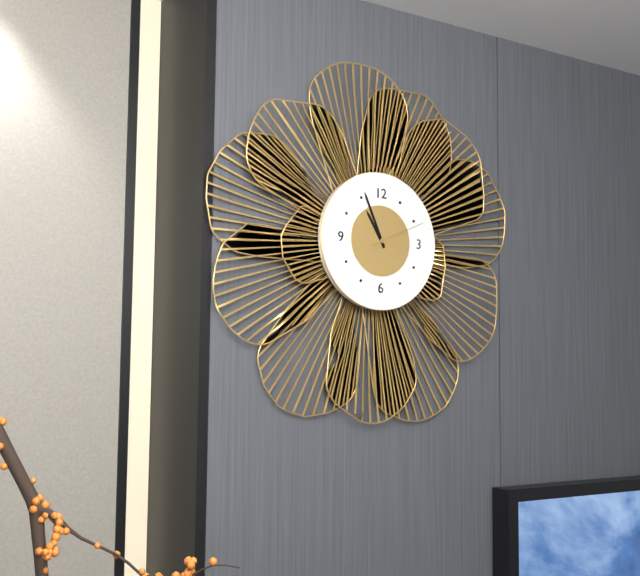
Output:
10 h 56 min 11 s
